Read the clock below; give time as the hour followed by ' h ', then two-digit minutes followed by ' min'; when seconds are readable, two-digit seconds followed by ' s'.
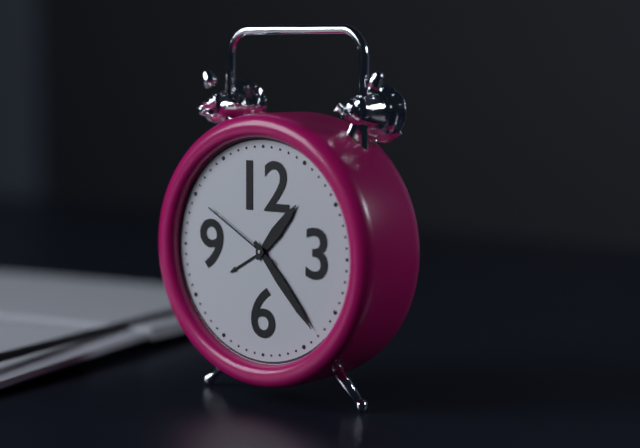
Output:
1 h 23 min 50 s
